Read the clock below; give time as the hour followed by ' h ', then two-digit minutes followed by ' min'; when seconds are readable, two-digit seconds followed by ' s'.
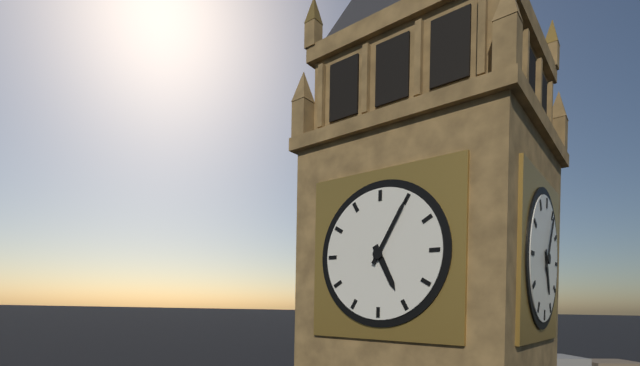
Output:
5 h 05 min
